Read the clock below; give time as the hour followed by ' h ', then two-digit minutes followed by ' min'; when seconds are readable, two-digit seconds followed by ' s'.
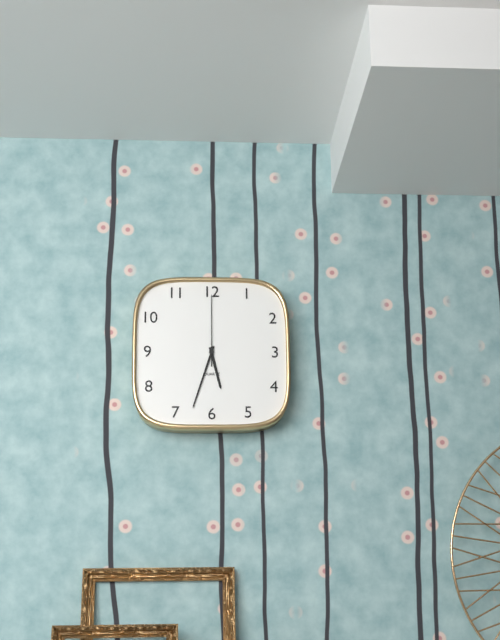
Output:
5 h 33 min 00 s
